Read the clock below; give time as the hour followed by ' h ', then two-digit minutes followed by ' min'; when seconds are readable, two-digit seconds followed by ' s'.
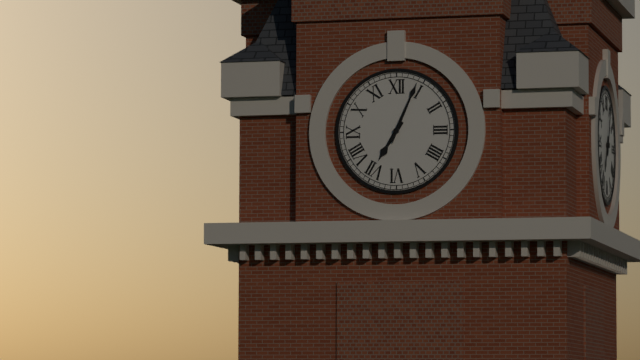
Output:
7 h 04 min
